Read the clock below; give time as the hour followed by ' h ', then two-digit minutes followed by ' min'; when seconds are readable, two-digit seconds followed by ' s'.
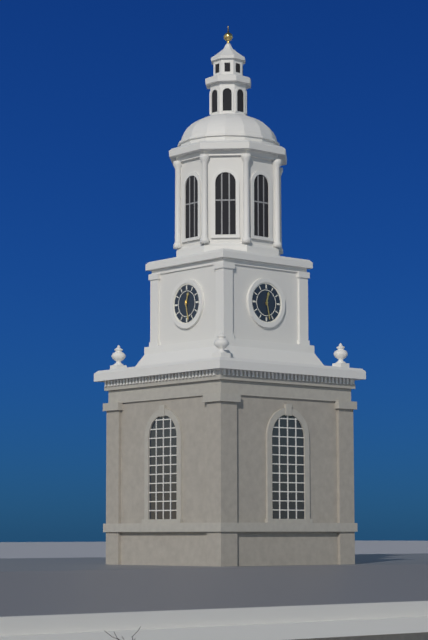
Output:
12 h 28 min
